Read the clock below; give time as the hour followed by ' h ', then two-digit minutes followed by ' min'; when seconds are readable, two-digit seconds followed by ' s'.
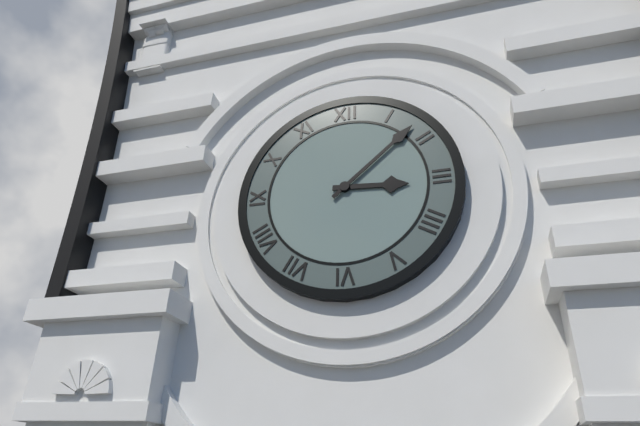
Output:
3 h 08 min
